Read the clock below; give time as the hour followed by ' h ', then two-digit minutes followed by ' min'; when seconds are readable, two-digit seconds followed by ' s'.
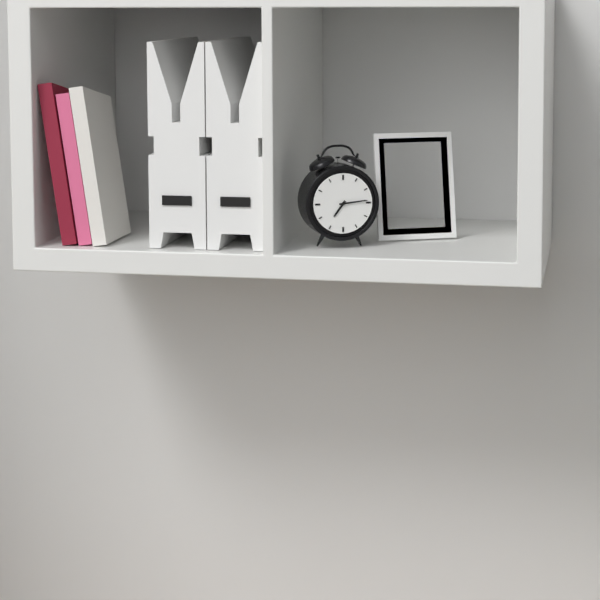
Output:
7 h 14 min
